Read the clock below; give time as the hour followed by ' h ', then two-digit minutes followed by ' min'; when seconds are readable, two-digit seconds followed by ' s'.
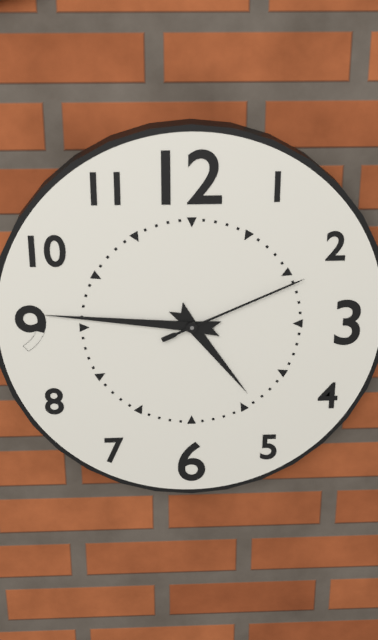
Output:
4 h 46 min 11 s
